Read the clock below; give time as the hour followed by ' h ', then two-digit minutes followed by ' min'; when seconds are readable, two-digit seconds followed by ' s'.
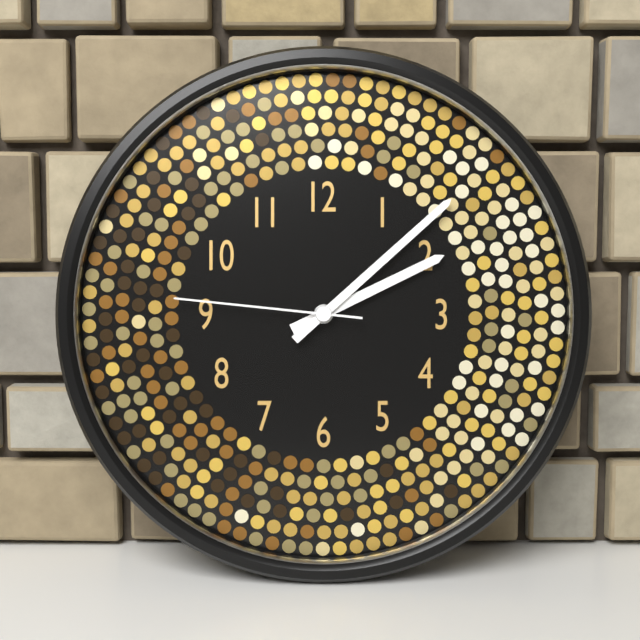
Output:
2 h 08 min 46 s
